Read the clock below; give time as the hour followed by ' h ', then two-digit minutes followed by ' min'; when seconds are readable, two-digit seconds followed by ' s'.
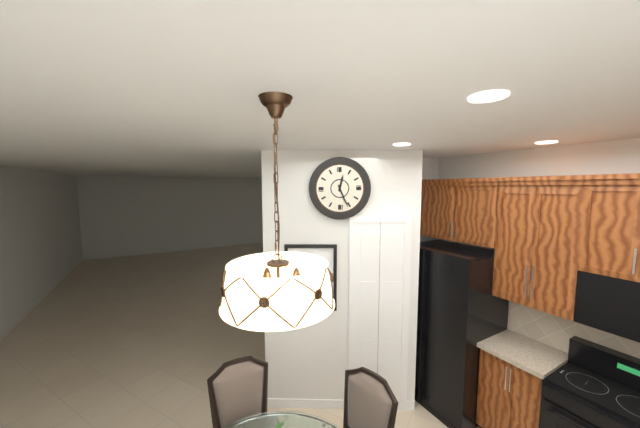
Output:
12 h 26 min
